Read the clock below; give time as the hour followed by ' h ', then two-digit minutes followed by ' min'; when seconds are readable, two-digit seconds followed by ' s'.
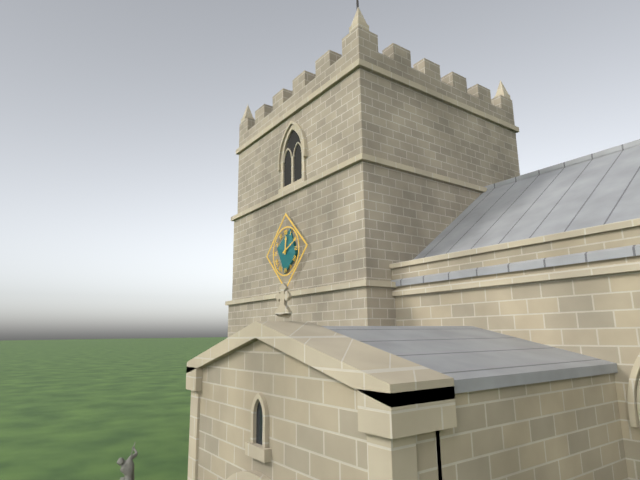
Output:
12 h 11 min
